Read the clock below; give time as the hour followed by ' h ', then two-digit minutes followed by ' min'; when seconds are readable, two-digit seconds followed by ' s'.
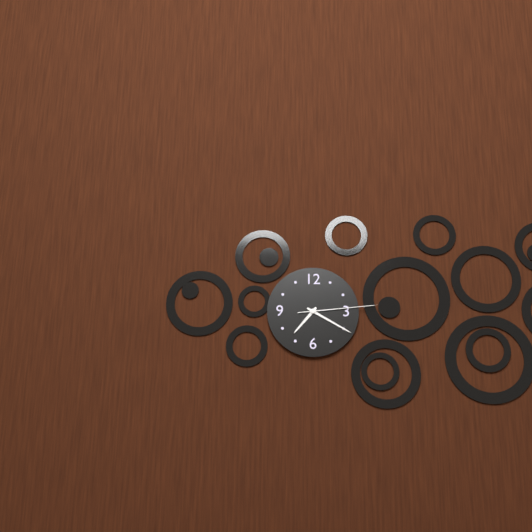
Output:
7 h 20 min 14 s
